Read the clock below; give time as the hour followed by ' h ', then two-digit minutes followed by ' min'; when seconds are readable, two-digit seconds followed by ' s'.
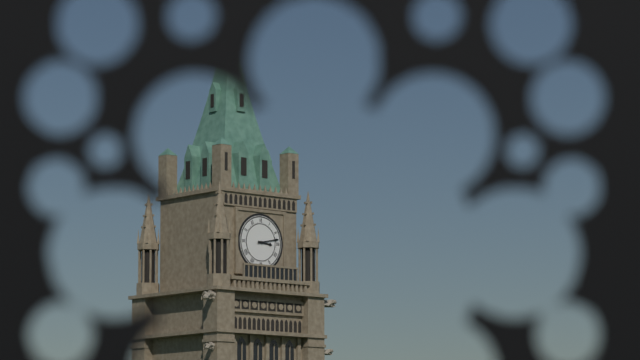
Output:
3 h 13 min
